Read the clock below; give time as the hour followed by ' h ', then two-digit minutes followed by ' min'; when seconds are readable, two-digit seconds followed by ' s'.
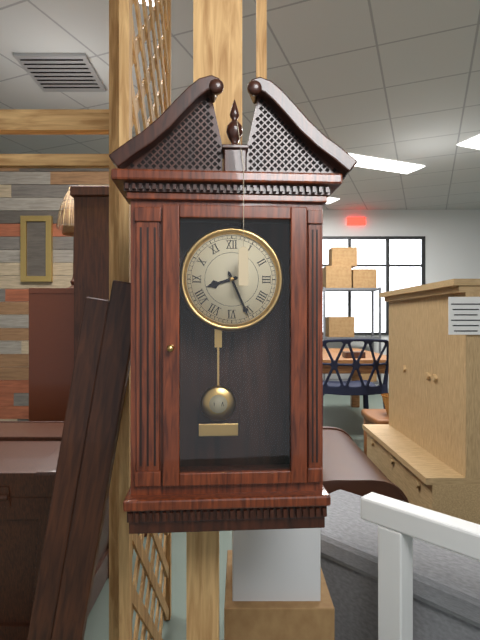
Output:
8 h 26 min
